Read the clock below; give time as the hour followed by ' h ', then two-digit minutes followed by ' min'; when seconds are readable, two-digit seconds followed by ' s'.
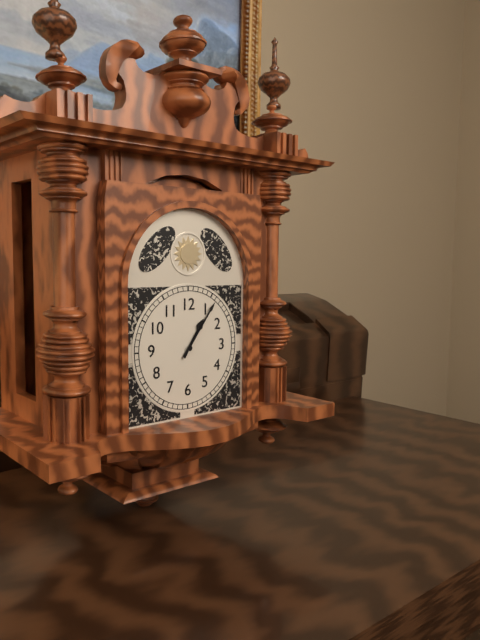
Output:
1 h 06 min
